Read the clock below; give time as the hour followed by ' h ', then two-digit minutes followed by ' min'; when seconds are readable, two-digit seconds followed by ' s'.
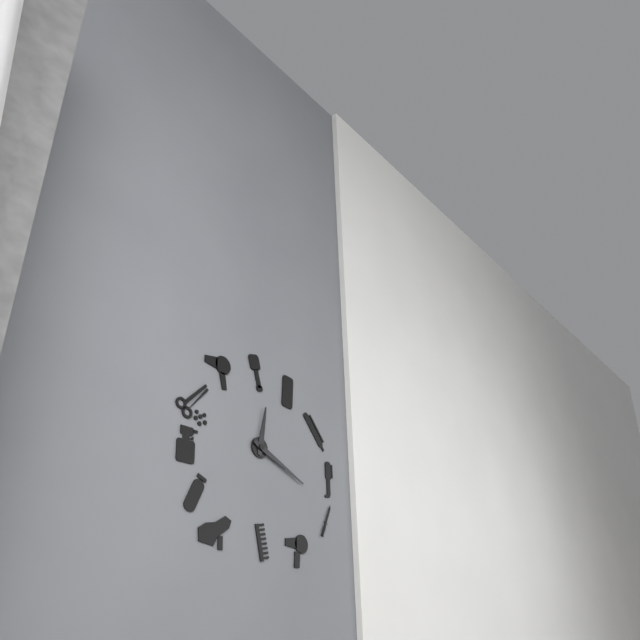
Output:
12 h 19 min
